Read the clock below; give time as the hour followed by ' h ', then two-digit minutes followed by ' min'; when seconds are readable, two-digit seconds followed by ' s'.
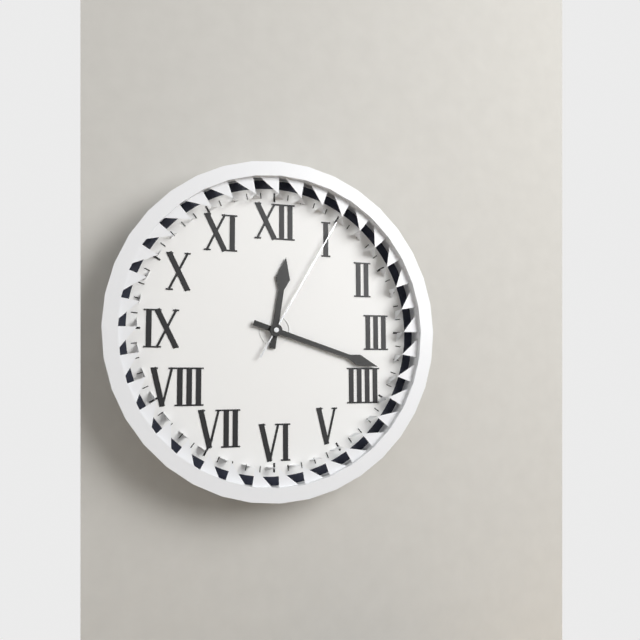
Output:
12 h 18 min 05 s
